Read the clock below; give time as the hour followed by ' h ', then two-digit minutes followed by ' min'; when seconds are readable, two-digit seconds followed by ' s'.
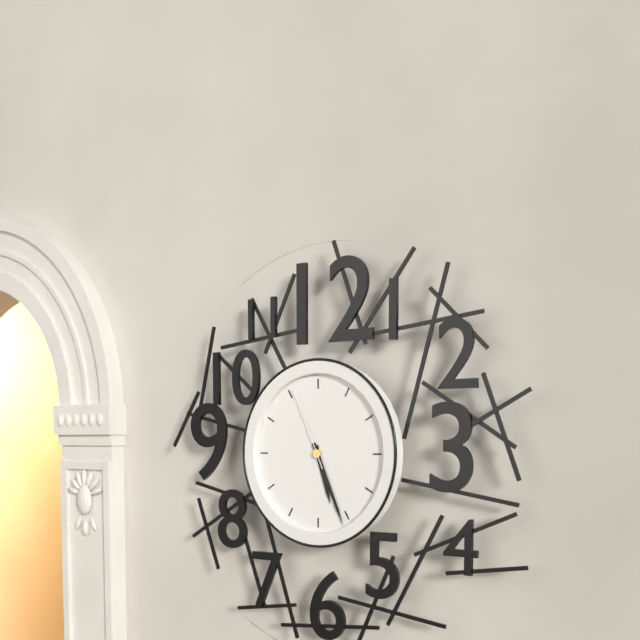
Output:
5 h 26 min 56 s
